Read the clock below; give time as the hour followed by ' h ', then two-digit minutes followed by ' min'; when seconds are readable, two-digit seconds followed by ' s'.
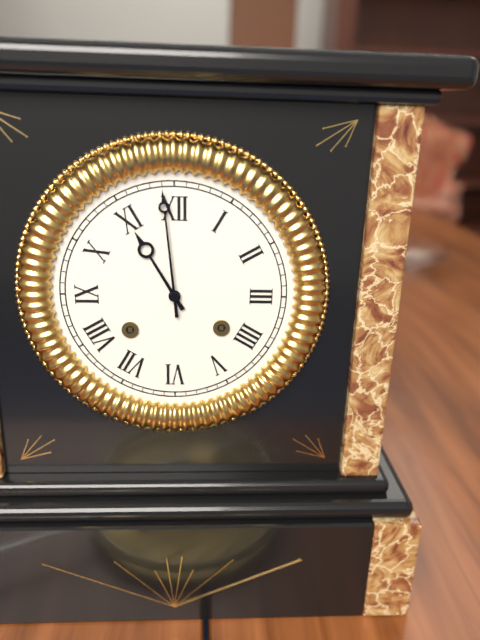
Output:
10 h 59 min
